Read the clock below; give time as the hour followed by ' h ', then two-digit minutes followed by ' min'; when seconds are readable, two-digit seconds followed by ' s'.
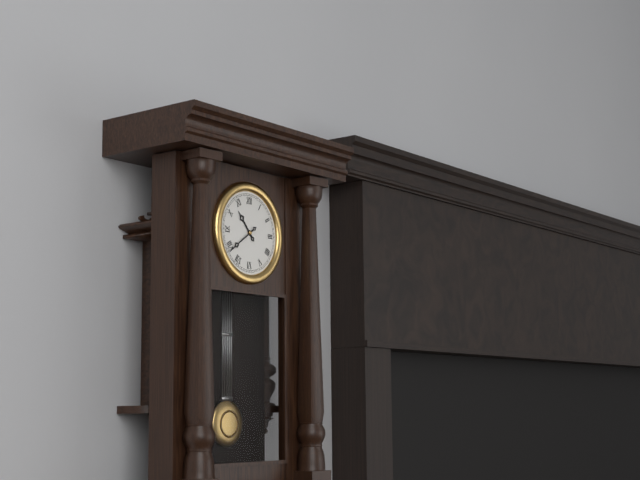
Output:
10 h 39 min
